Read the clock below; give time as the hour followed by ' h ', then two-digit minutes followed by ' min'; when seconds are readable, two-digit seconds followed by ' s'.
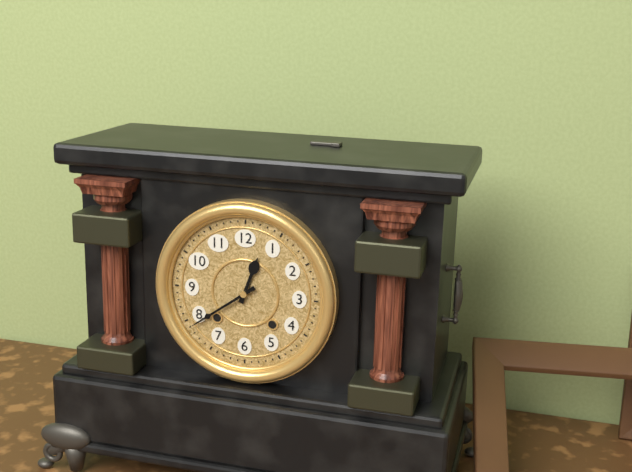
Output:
12 h 39 min
